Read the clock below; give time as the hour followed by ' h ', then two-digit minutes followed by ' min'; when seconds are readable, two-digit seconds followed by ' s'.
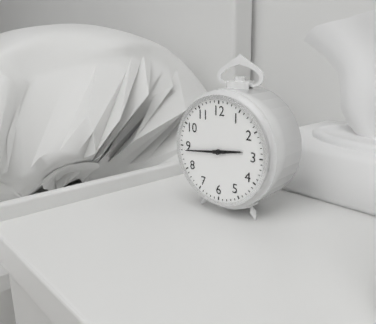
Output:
2 h 44 min
